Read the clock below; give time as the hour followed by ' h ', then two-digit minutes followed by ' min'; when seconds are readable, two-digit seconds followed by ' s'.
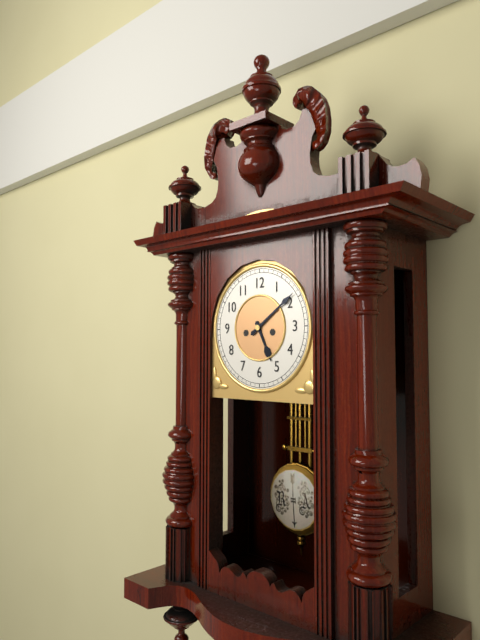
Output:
5 h 09 min
